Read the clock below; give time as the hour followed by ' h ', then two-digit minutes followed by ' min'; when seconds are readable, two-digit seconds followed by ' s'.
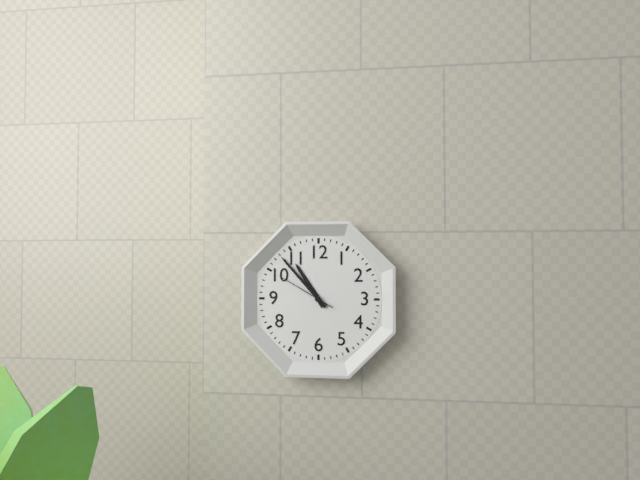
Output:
10 h 53 min 50 s
